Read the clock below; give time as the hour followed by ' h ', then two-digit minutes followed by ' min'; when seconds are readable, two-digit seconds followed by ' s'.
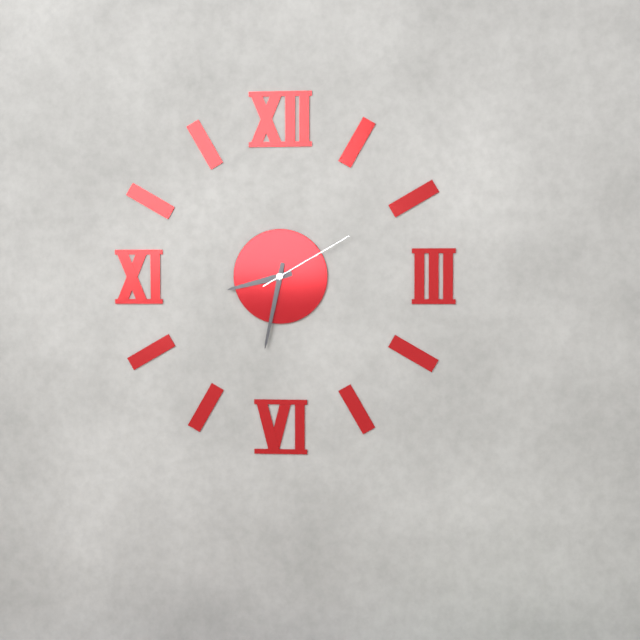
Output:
8 h 32 min 10 s
